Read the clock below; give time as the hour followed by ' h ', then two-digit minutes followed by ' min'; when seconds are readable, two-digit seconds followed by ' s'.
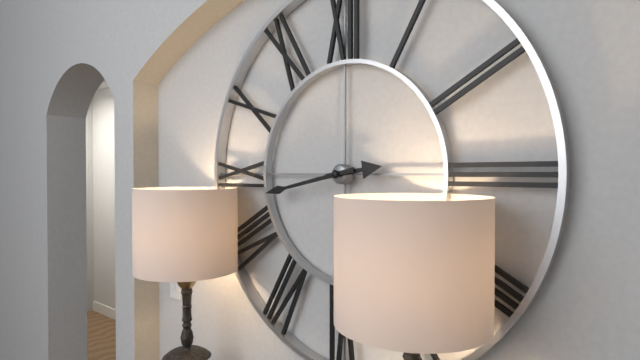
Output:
2 h 43 min
